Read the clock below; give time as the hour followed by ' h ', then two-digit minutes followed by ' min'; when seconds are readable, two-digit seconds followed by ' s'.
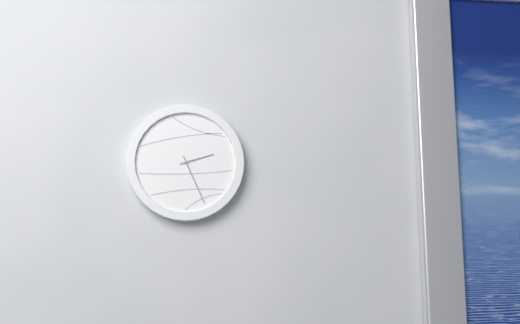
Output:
2 h 26 min
